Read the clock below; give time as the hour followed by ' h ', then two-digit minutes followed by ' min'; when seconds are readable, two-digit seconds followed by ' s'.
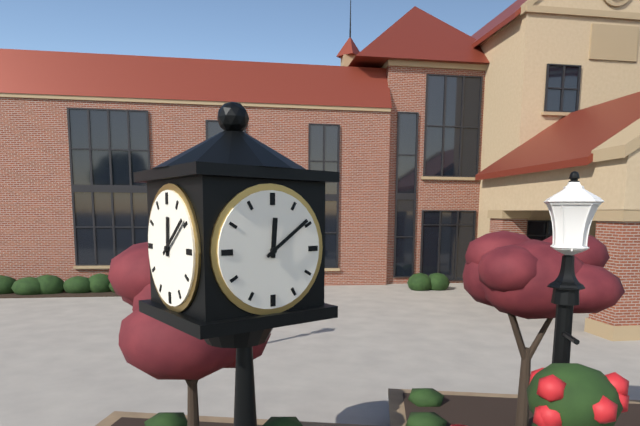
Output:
12 h 09 min
